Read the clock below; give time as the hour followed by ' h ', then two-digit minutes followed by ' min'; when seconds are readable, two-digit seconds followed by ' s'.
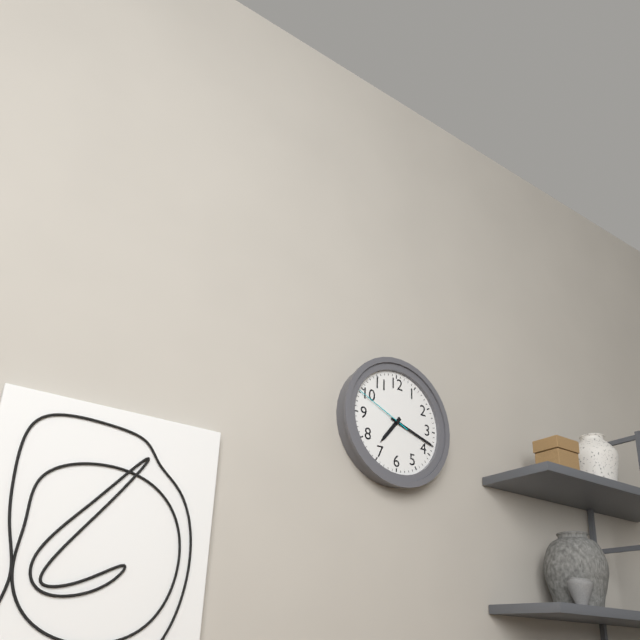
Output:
7 h 18 min 49 s
